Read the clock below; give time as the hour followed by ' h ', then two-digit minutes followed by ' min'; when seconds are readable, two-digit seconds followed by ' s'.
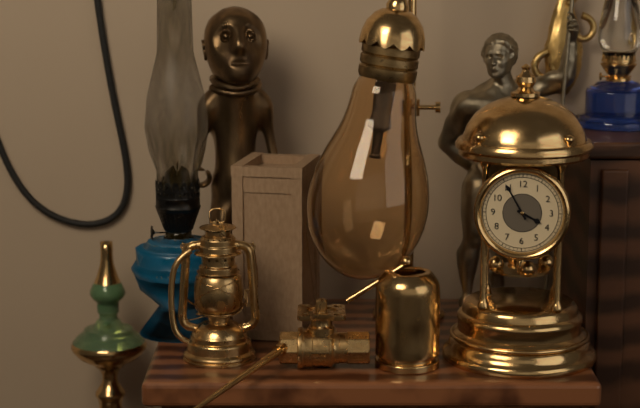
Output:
3 h 55 min
